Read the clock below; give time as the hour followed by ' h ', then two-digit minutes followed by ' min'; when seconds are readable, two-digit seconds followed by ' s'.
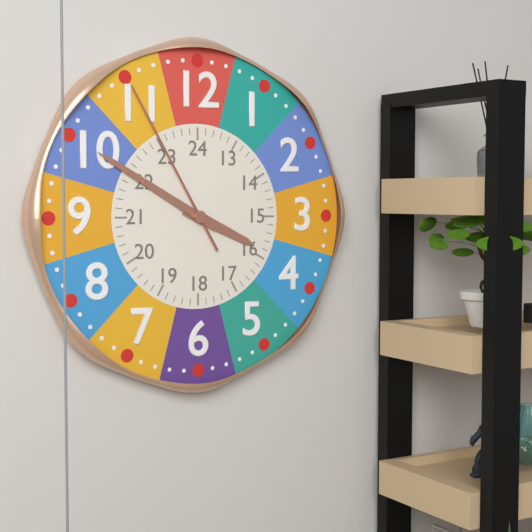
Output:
3 h 50 min 55 s
